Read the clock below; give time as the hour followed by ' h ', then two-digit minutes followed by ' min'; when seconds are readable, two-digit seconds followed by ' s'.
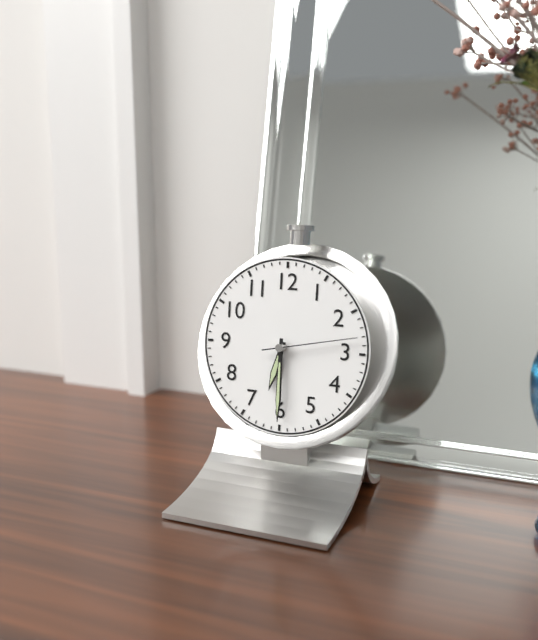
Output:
6 h 30 min 13 s
